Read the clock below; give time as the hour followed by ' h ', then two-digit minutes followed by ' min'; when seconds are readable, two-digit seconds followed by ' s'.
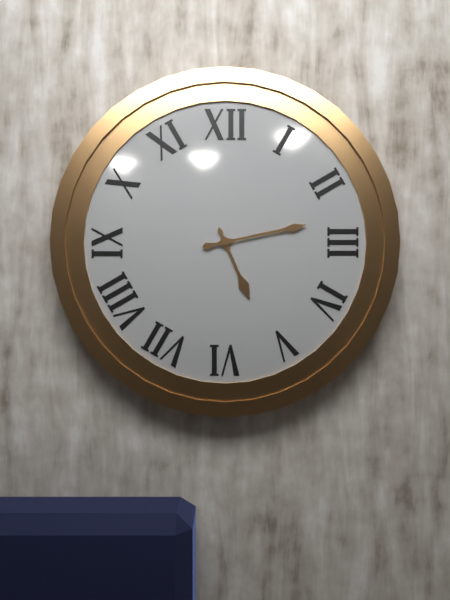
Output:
5 h 13 min
